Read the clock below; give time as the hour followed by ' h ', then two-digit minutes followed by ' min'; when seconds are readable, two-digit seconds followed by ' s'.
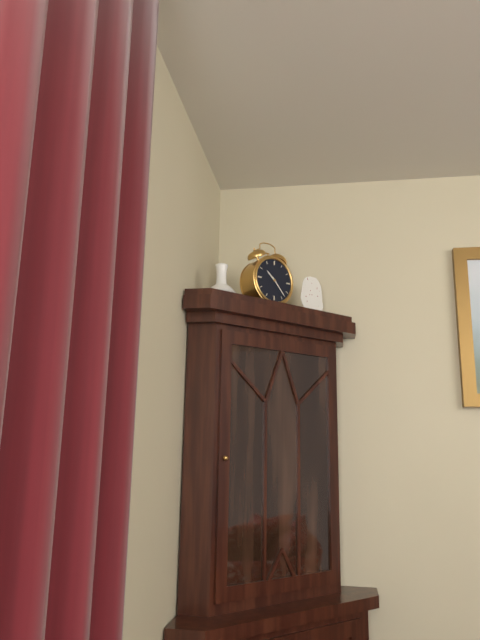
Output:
10 h 23 min
